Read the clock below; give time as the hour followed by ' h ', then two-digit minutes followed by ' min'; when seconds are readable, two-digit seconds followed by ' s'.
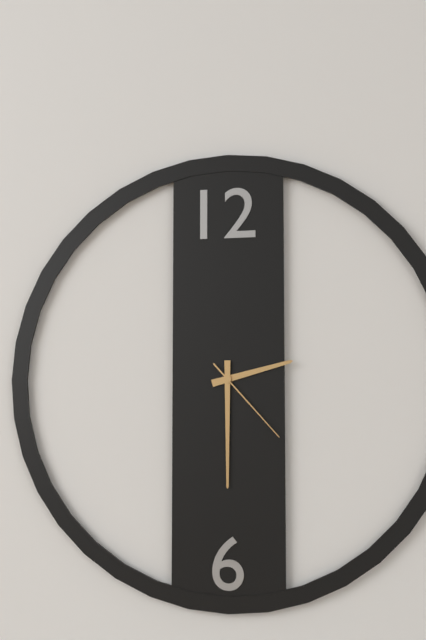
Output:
2 h 30 min 23 s
